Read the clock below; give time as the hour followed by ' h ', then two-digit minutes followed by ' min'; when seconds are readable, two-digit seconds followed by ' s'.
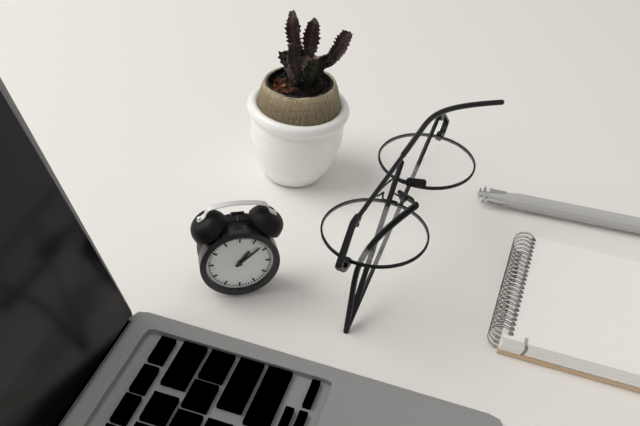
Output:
1 h 08 min
